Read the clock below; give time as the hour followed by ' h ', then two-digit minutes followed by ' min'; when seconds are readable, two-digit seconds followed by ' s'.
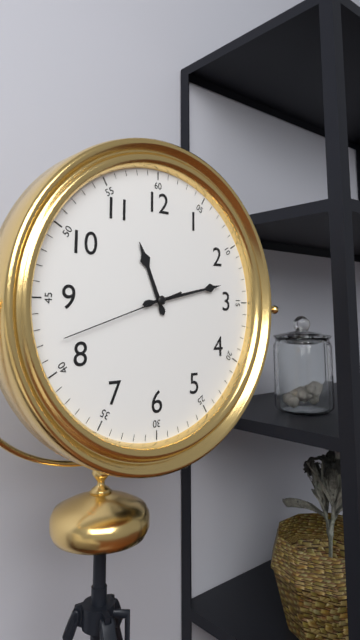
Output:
11 h 13 min 42 s
